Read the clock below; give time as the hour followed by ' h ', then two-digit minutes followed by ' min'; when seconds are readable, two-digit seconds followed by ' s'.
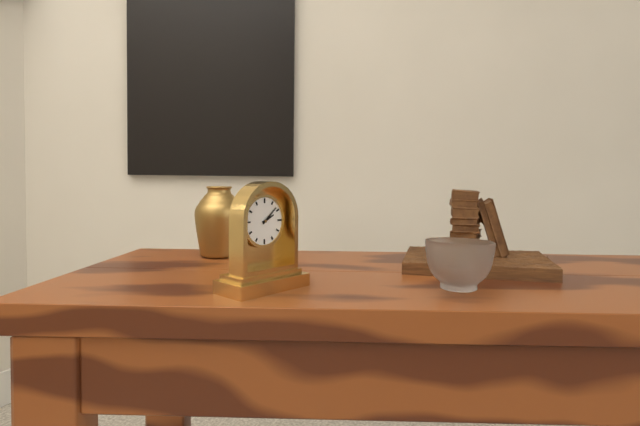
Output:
2 h 08 min
